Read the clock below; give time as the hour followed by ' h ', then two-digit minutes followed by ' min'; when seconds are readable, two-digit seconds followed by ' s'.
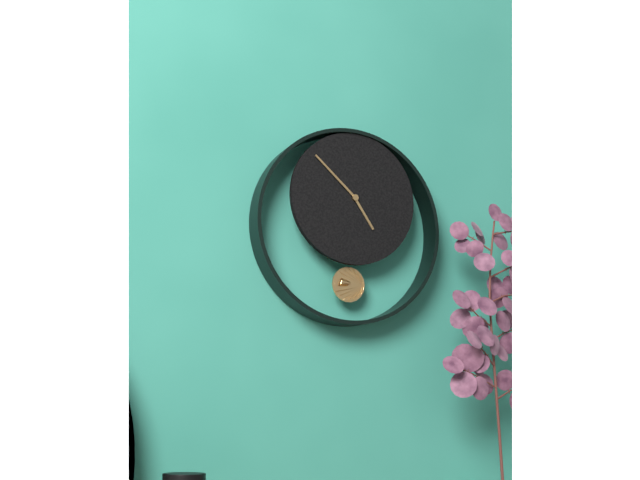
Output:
4 h 52 min
